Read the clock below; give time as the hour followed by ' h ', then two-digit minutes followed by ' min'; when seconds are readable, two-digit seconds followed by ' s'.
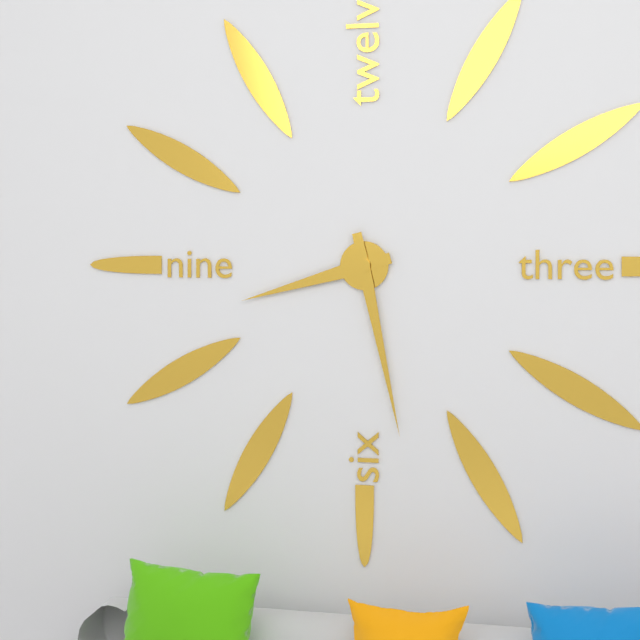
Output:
8 h 28 min
